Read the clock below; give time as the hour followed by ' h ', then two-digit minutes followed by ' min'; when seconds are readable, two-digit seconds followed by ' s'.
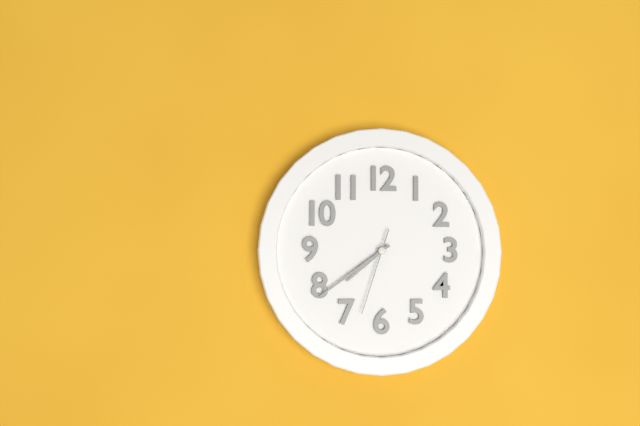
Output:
7 h 39 min 33 s
